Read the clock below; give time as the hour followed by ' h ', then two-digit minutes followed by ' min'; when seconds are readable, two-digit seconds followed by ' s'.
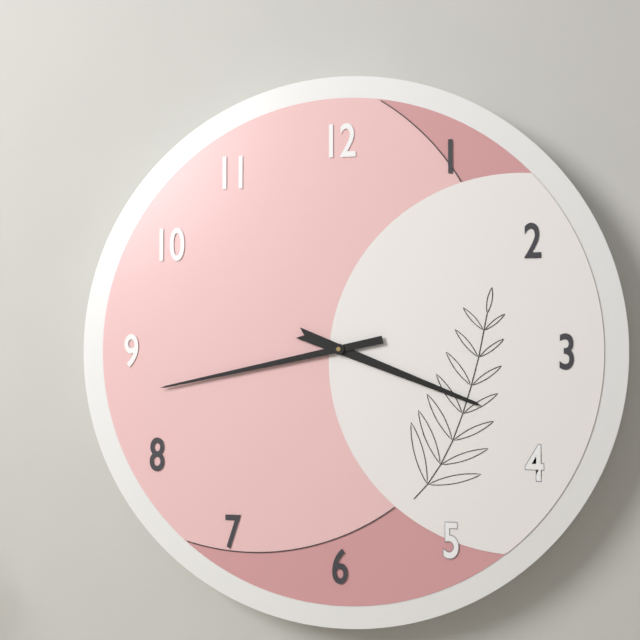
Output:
3 h 43 min
